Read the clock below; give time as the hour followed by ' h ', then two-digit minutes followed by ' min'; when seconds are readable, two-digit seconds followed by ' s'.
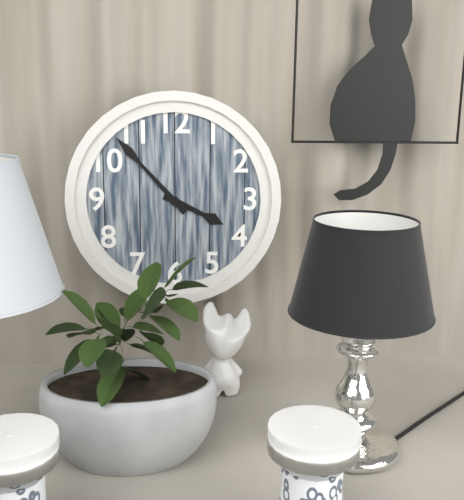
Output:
3 h 53 min
